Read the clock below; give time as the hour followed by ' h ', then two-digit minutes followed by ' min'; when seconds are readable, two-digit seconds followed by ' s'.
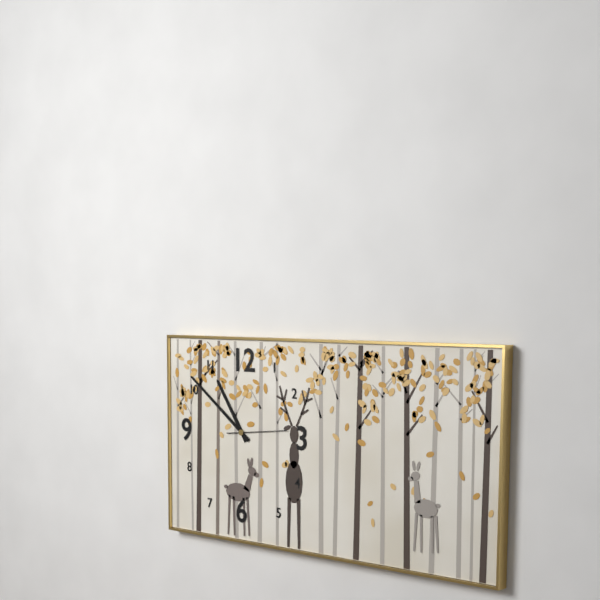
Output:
10 h 51 min 14 s
